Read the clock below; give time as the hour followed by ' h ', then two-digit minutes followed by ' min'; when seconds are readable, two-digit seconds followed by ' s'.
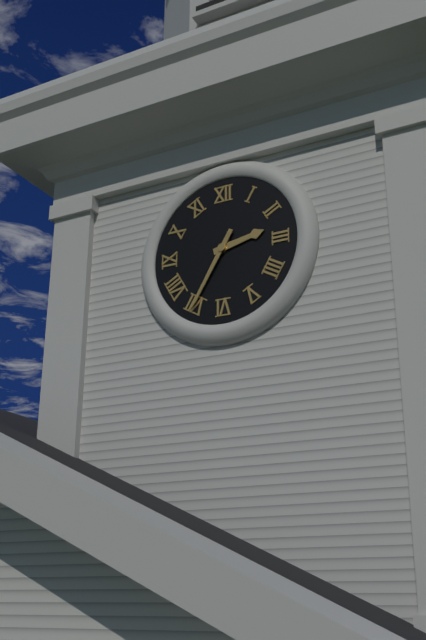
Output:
2 h 35 min
